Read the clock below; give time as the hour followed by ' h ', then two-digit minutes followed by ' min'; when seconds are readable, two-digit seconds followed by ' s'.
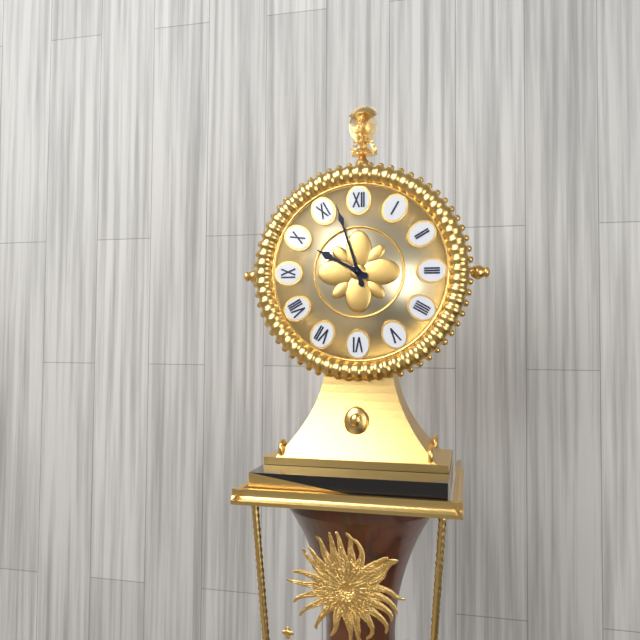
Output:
9 h 57 min
